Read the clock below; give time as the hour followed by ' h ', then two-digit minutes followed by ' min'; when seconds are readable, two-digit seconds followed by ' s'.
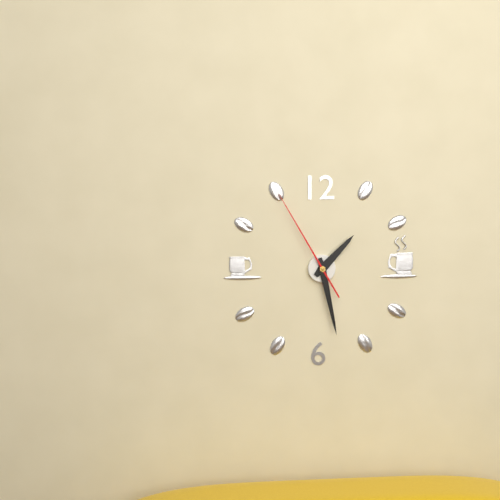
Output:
1 h 28 min 55 s
